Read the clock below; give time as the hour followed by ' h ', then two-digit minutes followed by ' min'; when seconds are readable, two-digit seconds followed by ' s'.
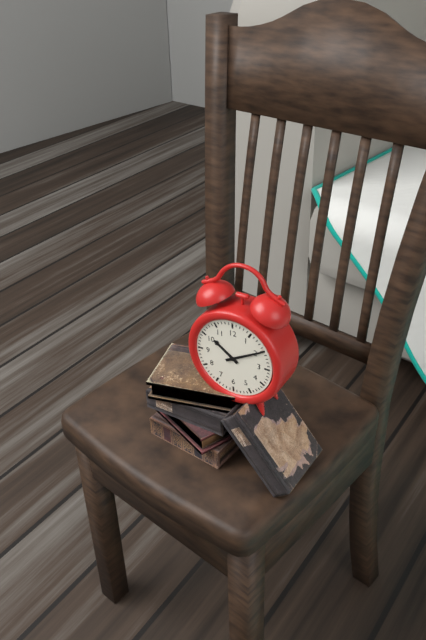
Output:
10 h 10 min
